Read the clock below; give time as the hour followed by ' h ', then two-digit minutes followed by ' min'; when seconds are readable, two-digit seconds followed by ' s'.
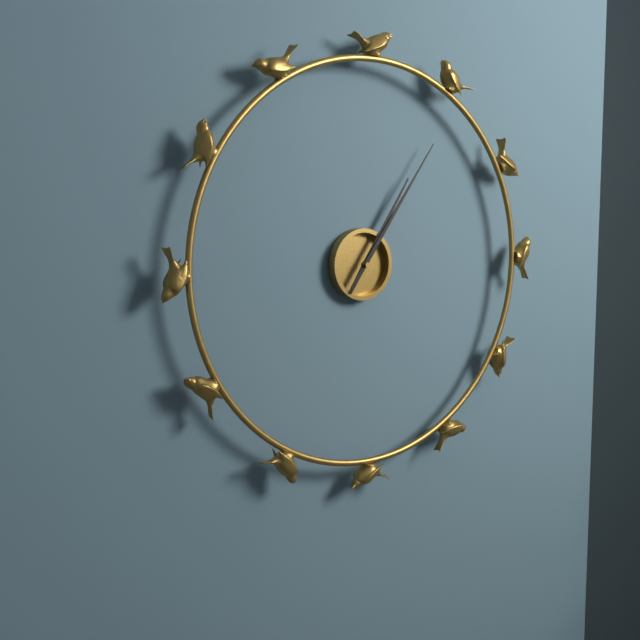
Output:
1 h 06 min
